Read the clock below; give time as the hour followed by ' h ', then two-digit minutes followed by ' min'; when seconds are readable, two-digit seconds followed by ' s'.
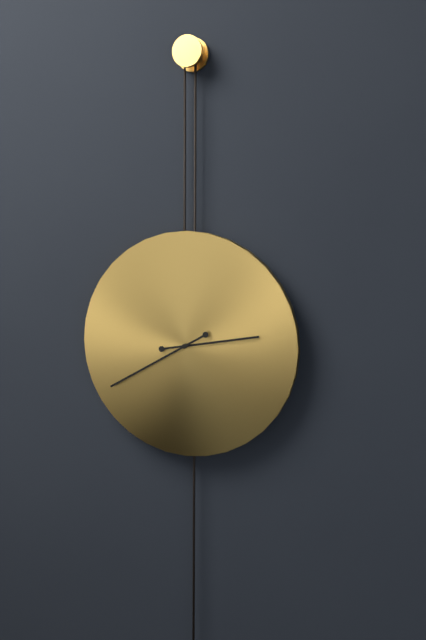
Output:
2 h 40 min
